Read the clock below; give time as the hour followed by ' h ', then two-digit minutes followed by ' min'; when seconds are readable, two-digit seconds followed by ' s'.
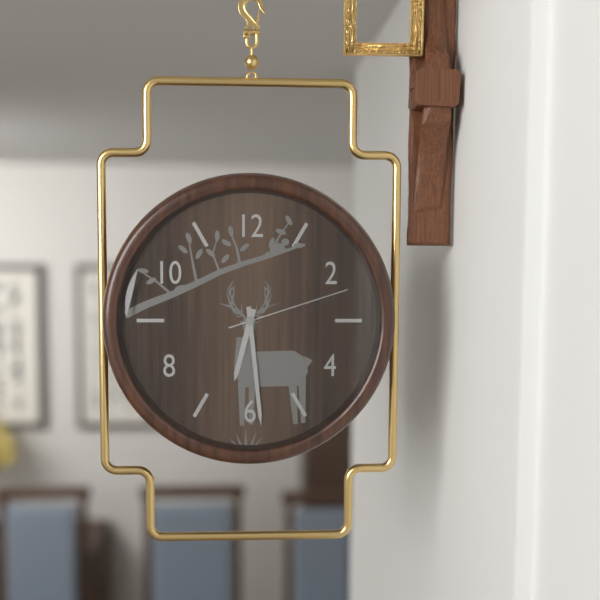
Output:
6 h 29 min 12 s
